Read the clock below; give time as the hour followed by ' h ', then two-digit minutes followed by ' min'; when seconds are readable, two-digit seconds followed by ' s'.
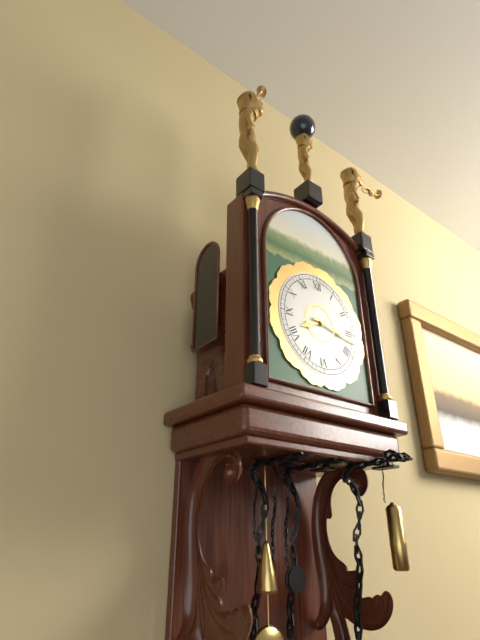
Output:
8 h 17 min
